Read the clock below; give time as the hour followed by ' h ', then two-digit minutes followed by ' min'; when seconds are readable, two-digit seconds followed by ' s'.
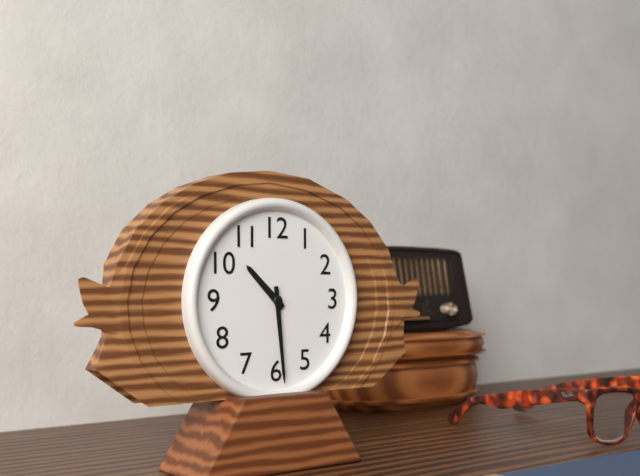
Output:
10 h 29 min
